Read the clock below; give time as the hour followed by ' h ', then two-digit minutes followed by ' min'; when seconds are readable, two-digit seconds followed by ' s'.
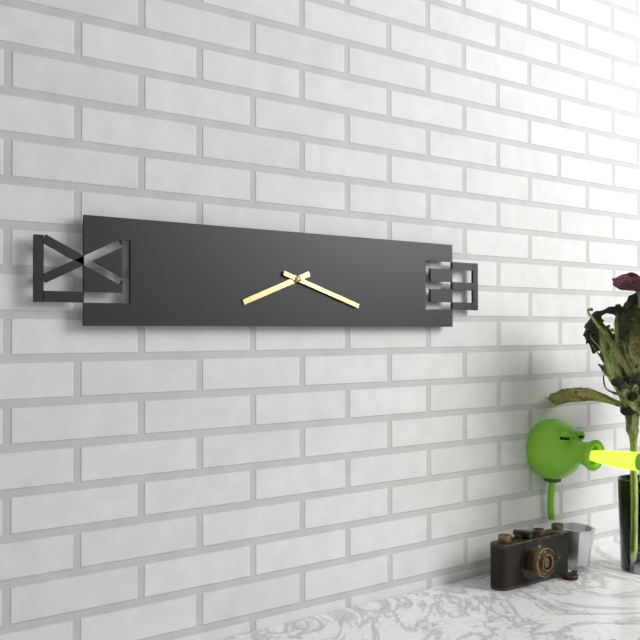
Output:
8 h 18 min
